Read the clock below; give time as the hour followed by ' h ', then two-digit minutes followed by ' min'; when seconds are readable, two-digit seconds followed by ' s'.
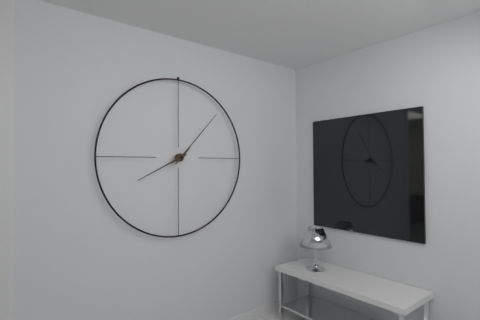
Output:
8 h 07 min
